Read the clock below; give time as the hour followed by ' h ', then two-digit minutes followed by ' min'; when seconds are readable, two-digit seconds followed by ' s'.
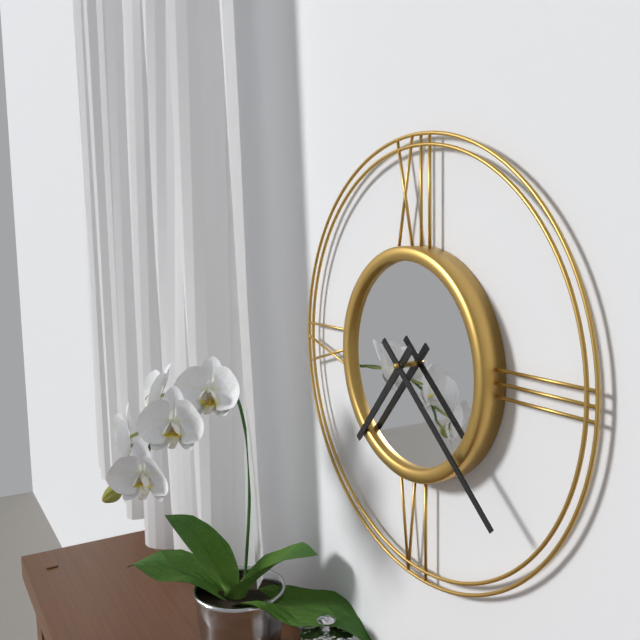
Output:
7 h 22 min
